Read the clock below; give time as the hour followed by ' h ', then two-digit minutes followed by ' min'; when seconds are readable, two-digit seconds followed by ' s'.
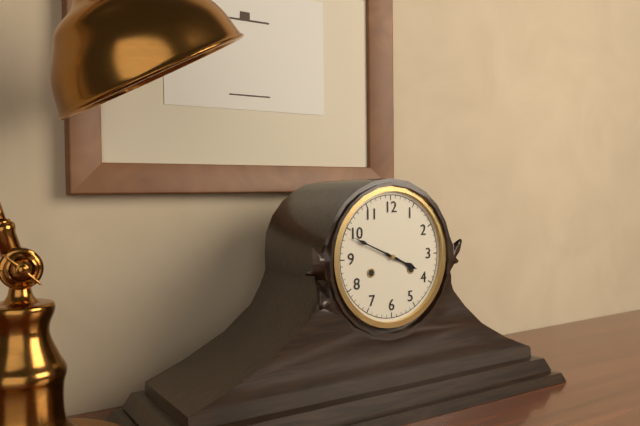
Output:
3 h 49 min
